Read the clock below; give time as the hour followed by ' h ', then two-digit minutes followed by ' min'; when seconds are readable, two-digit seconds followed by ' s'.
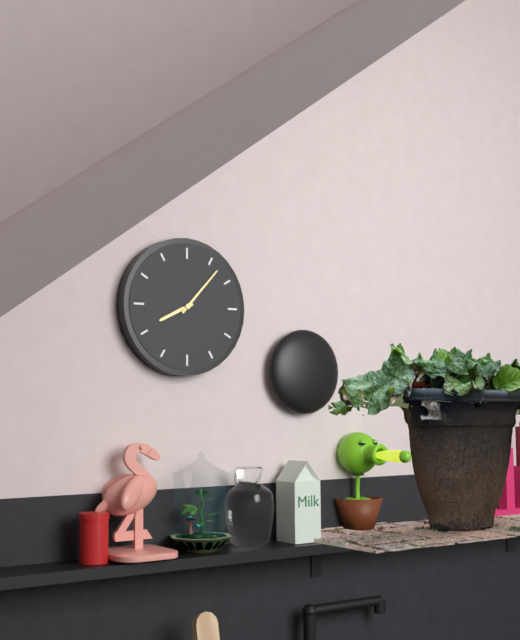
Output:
8 h 07 min
